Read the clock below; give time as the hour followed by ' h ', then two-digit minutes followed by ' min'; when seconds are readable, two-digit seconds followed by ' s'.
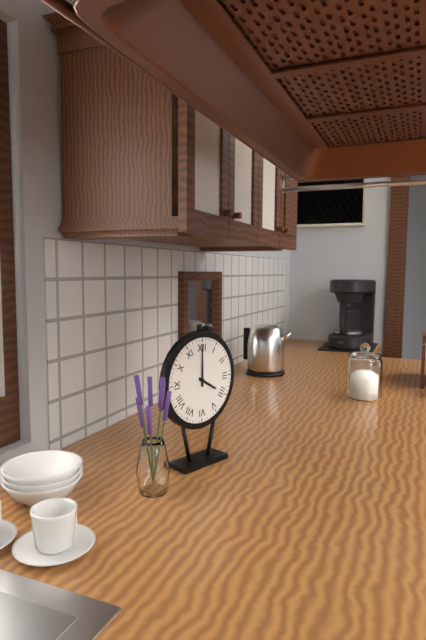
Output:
4 h 00 min
